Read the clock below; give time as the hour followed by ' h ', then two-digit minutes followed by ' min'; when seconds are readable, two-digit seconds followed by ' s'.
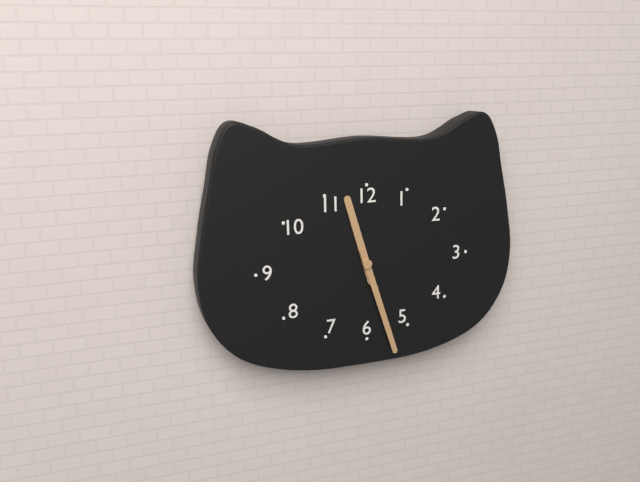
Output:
11 h 27 min
